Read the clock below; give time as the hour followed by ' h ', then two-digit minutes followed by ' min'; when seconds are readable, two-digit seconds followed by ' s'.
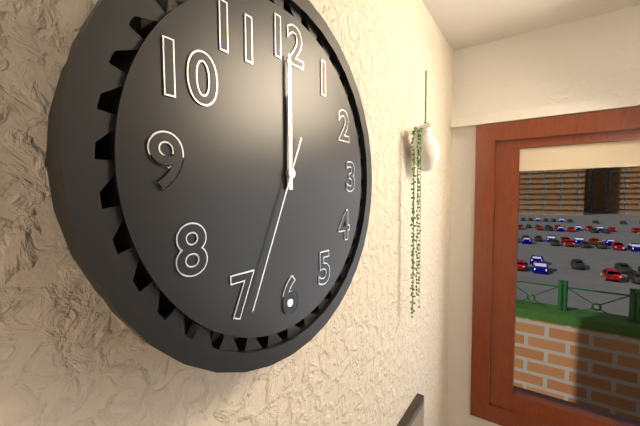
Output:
12 h 00 min 34 s
